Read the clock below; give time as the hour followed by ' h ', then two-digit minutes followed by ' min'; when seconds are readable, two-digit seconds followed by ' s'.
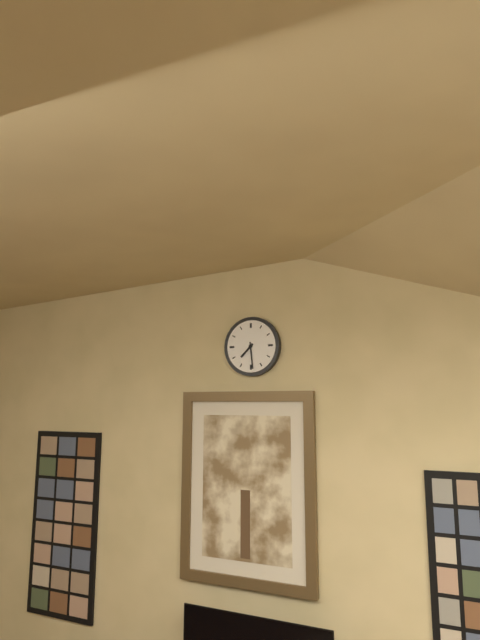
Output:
7 h 29 min
